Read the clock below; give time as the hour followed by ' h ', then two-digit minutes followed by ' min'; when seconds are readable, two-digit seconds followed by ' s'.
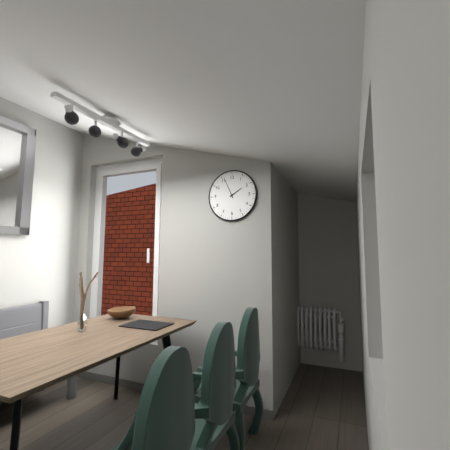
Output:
1 h 56 min
